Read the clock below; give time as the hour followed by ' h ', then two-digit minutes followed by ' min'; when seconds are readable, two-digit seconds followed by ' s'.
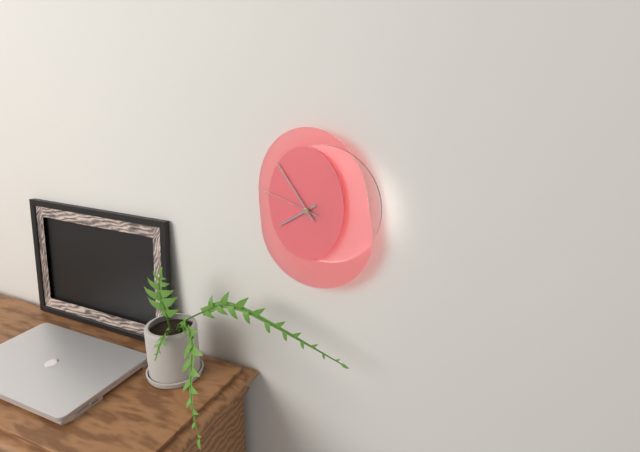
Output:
7 h 54 min 48 s
